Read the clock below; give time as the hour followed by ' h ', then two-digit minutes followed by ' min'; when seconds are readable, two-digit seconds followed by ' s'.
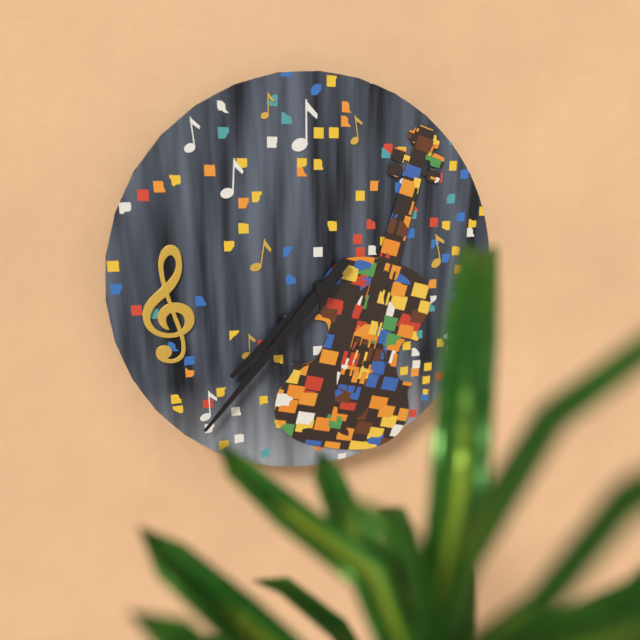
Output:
7 h 37 min
